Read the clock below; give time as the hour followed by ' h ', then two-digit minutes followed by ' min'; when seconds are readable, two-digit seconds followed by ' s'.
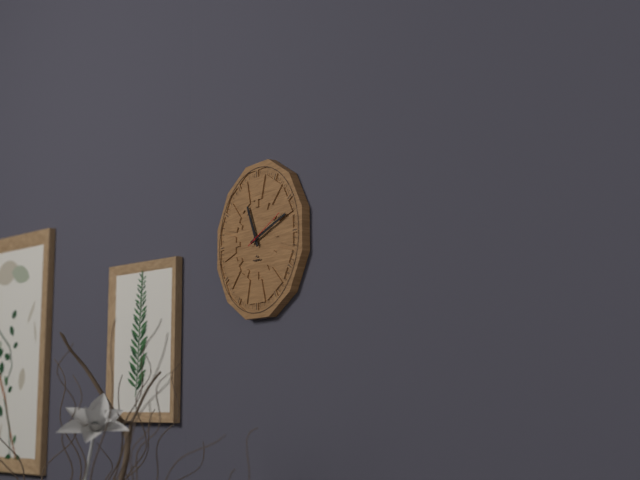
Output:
11 h 12 min
